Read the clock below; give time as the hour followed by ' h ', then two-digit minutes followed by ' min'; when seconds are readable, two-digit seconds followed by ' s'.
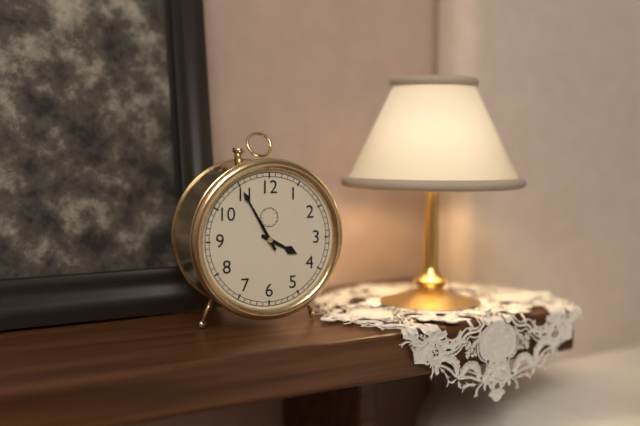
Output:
3 h 55 min
